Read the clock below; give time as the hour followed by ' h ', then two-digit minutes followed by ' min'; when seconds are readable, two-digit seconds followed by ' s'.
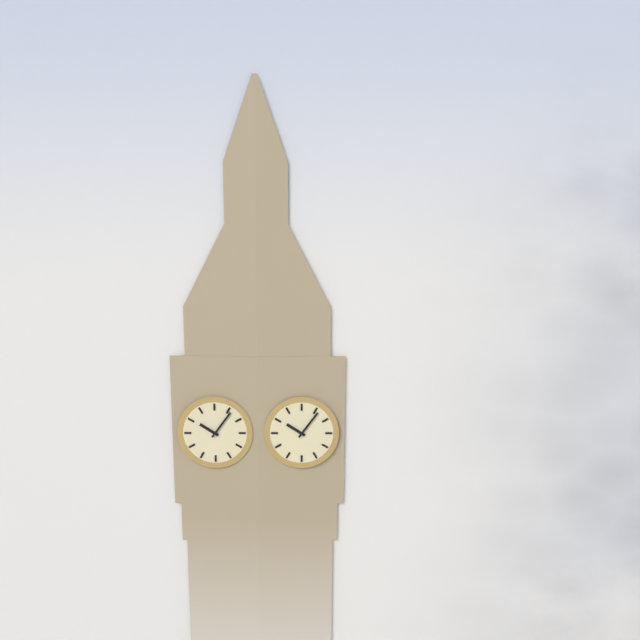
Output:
10 h 06 min
